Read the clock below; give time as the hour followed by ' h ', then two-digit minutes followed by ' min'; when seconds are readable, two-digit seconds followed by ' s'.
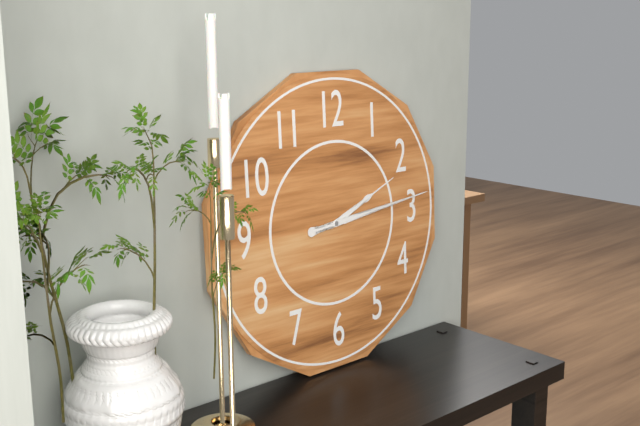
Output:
2 h 14 min
